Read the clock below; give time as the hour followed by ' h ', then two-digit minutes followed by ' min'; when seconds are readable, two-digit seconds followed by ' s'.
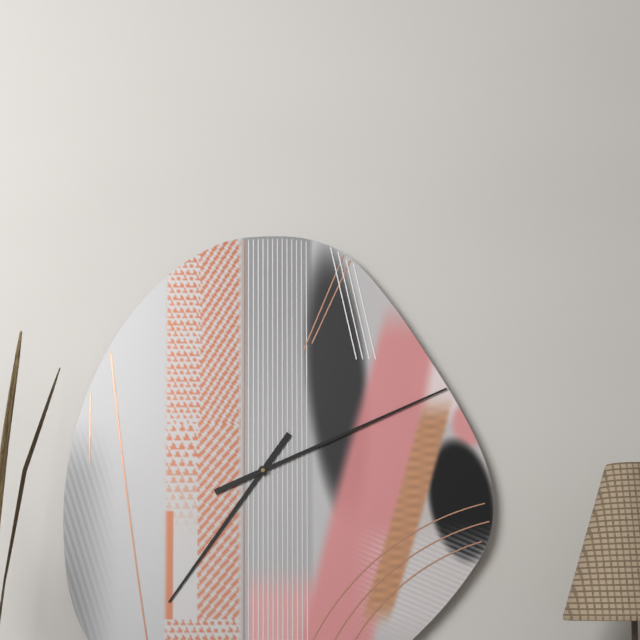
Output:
7 h 11 min
